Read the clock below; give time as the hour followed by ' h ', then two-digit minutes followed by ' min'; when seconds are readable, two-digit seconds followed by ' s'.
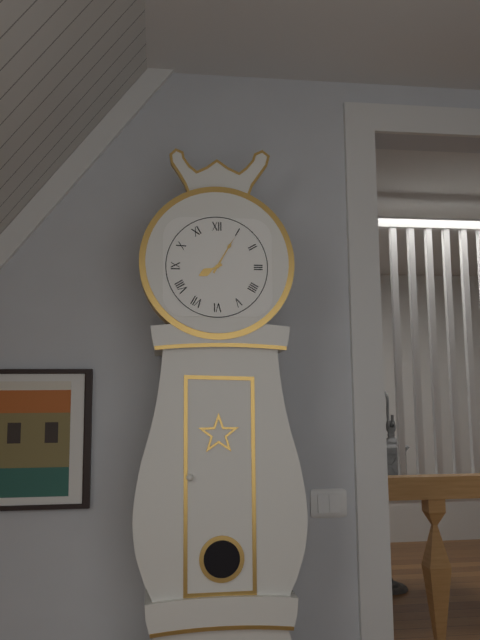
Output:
8 h 05 min
